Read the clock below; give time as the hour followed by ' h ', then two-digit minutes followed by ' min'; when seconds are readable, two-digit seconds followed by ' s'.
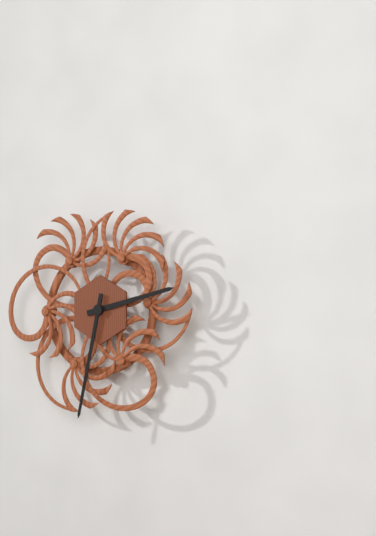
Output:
2 h 32 min
